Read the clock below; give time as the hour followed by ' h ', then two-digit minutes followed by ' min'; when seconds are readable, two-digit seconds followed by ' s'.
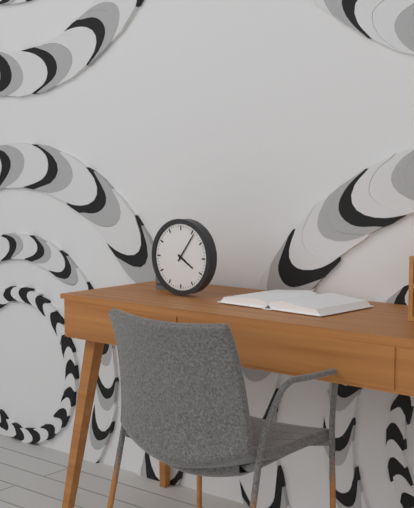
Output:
4 h 06 min
